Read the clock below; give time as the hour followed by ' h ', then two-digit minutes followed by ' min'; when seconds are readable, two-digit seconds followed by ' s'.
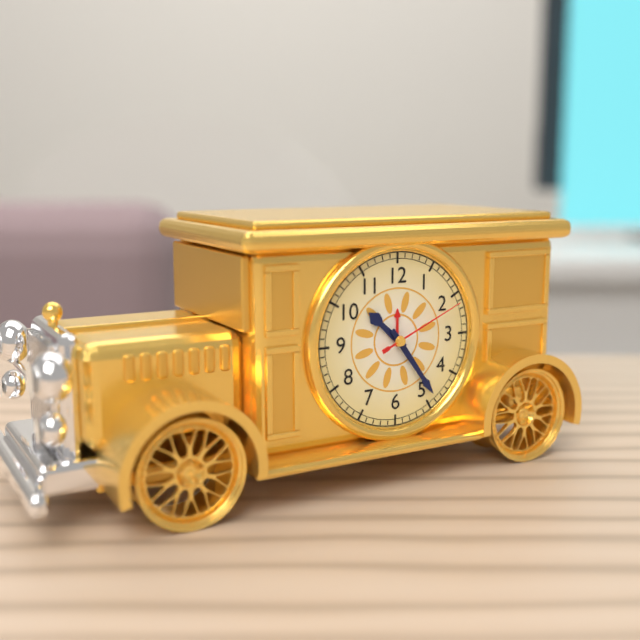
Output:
10 h 24 min 11 s
